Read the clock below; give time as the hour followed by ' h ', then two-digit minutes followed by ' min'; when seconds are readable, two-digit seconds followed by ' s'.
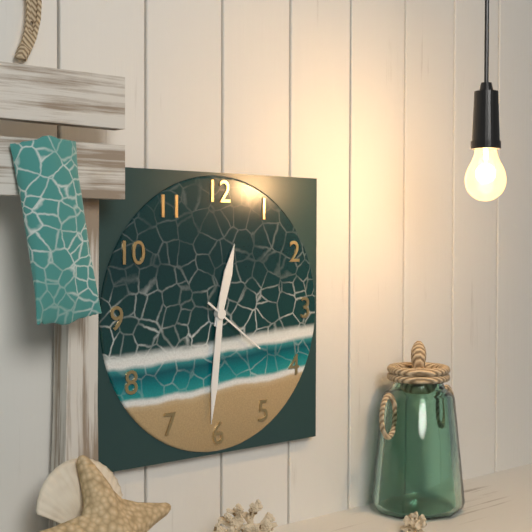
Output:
12 h 31 min 21 s
